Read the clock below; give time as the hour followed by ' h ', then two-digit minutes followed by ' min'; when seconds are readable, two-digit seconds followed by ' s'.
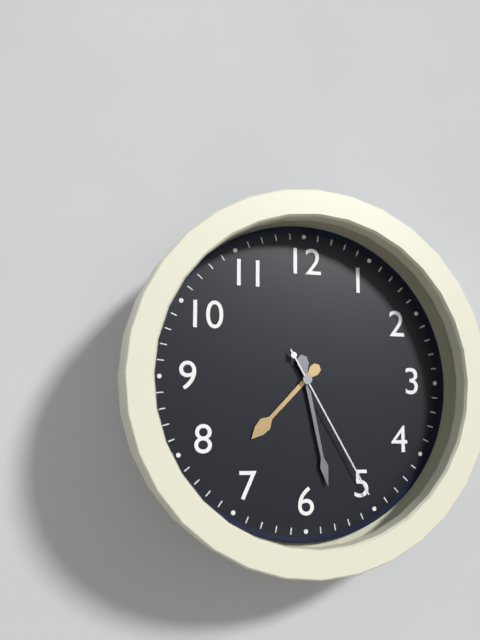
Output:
7 h 28 min 25 s
